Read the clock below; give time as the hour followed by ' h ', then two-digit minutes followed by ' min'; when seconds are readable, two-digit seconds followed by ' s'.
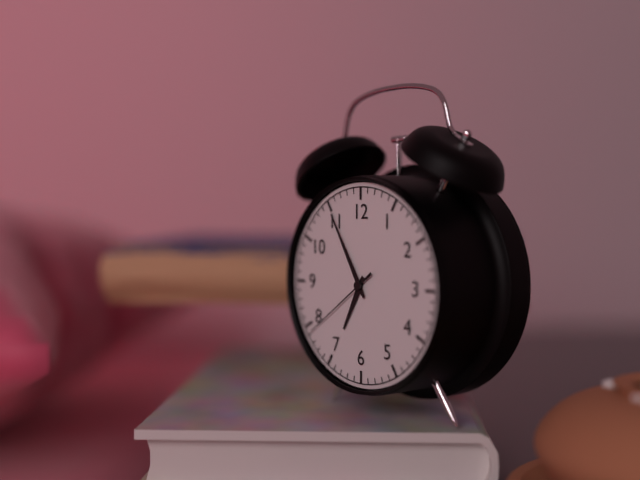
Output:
6 h 55 min 39 s
